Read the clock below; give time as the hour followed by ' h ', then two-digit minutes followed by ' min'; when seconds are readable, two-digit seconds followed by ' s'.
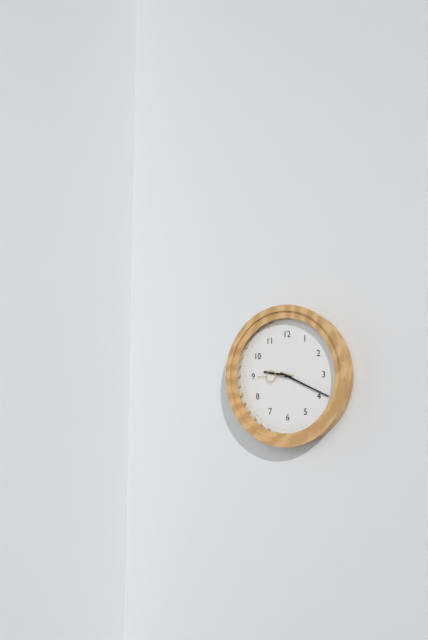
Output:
9 h 19 min
